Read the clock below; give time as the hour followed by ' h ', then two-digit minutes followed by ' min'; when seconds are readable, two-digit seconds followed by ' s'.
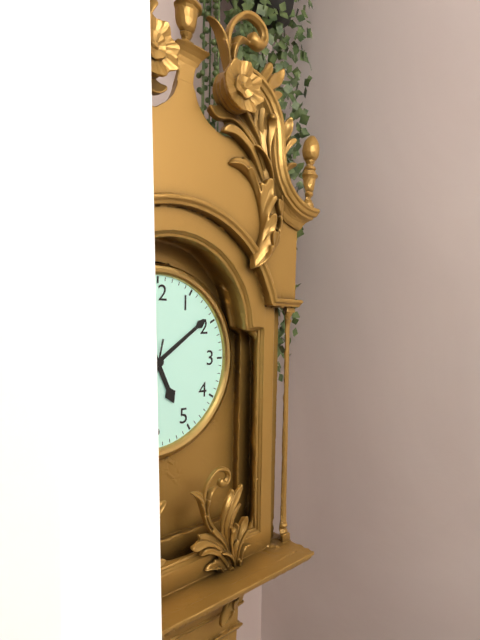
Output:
5 h 09 min
